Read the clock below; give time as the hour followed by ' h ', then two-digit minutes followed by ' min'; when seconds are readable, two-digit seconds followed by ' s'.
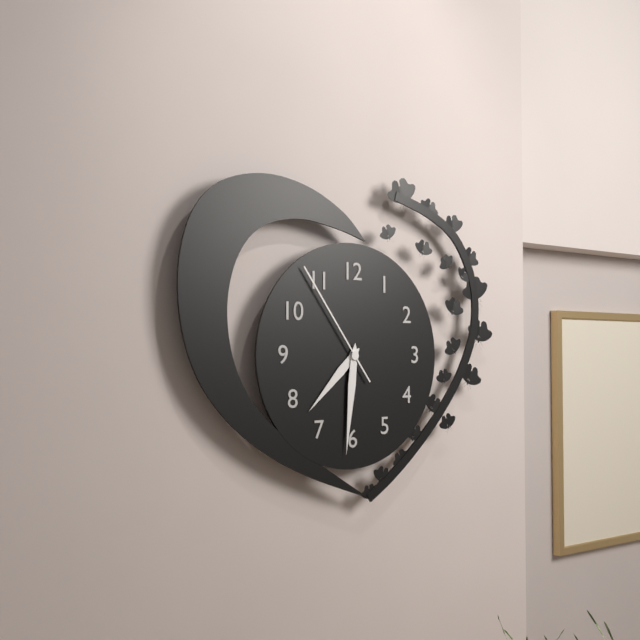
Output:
7 h 31 min 54 s
